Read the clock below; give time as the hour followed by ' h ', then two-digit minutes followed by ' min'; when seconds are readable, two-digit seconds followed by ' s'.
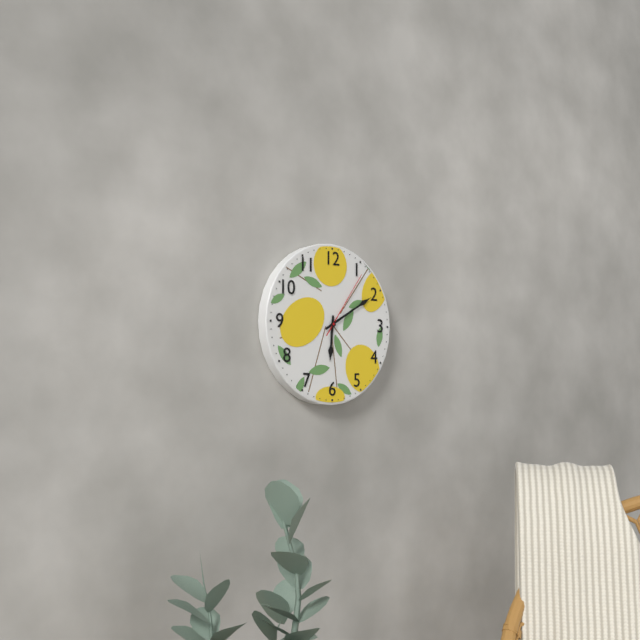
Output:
6 h 10 min 06 s
